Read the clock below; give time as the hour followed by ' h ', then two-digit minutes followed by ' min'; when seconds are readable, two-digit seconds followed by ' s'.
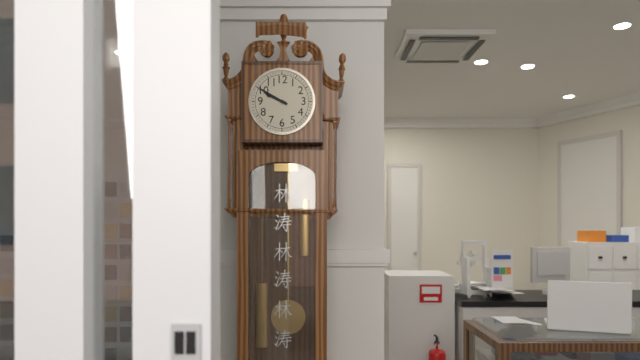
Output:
9 h 50 min
